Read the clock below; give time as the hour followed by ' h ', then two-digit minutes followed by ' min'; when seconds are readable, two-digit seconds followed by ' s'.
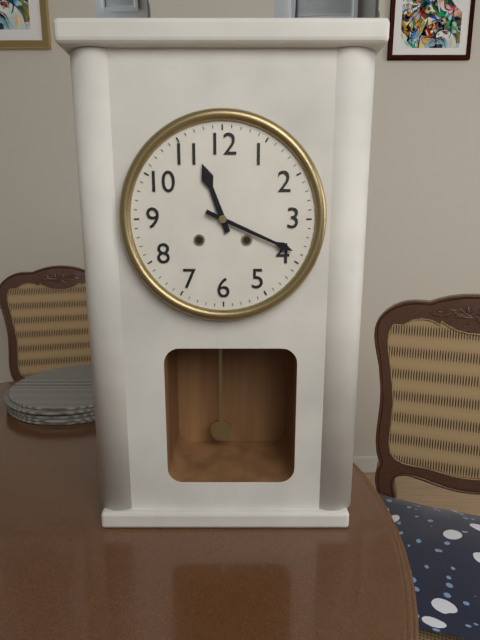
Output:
11 h 19 min
